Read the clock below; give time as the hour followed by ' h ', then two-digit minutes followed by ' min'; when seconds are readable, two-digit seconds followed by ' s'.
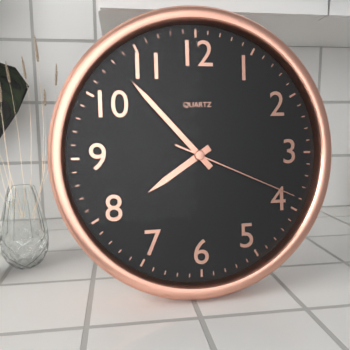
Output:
7 h 53 min 19 s
